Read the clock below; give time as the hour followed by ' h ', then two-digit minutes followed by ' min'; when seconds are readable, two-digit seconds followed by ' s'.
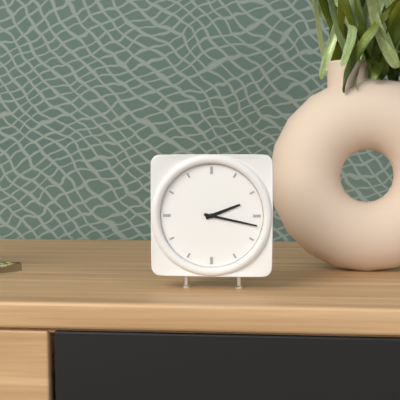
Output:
2 h 17 min
